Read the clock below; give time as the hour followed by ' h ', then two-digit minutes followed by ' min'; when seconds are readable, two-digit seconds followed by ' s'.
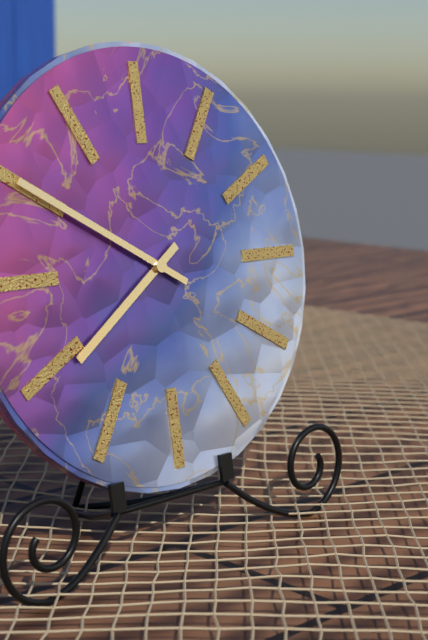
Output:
7 h 50 min
